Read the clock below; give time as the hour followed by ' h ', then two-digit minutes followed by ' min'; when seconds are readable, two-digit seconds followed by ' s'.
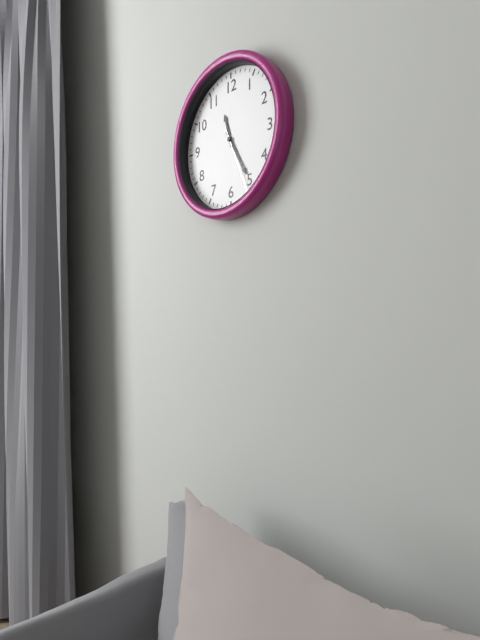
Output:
11 h 25 min 26 s
